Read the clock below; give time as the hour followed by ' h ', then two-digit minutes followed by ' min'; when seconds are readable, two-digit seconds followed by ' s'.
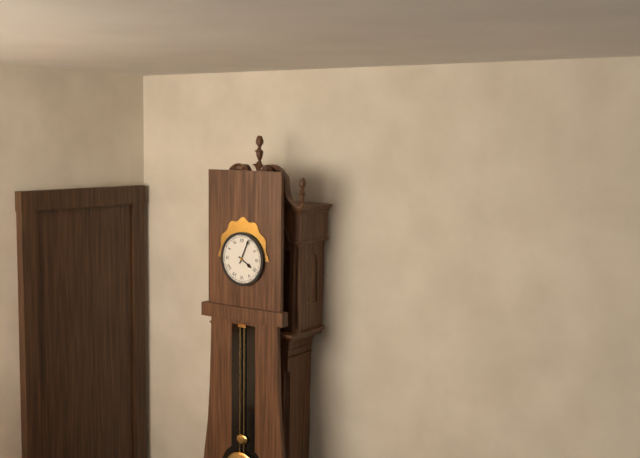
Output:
4 h 04 min
